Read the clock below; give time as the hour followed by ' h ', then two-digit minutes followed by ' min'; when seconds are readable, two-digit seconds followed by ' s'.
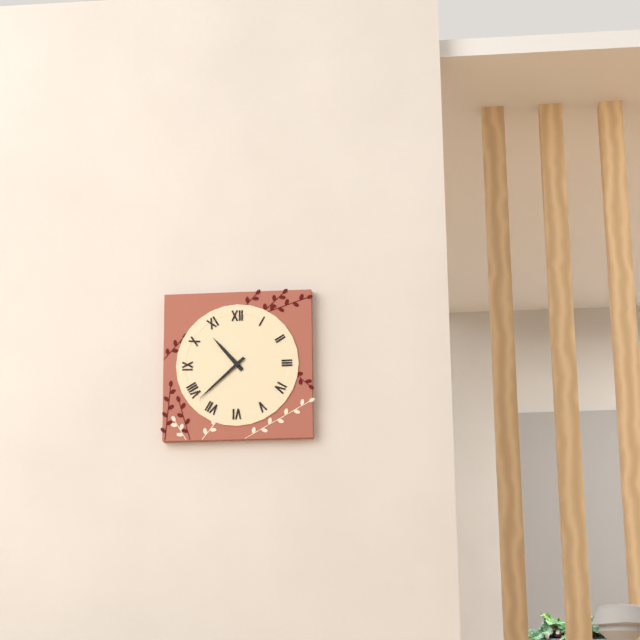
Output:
10 h 38 min
